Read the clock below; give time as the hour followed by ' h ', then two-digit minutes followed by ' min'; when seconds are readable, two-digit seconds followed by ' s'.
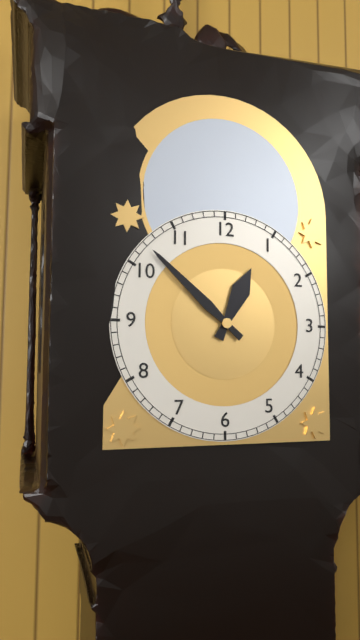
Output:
12 h 52 min
